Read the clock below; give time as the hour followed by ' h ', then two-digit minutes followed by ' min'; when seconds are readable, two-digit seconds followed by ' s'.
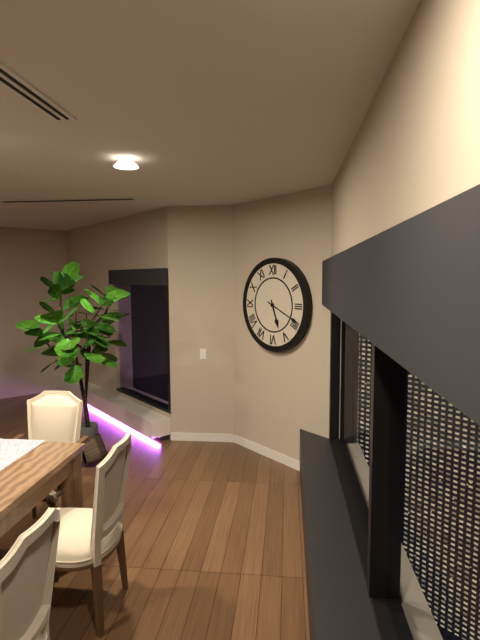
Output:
5 h 19 min
